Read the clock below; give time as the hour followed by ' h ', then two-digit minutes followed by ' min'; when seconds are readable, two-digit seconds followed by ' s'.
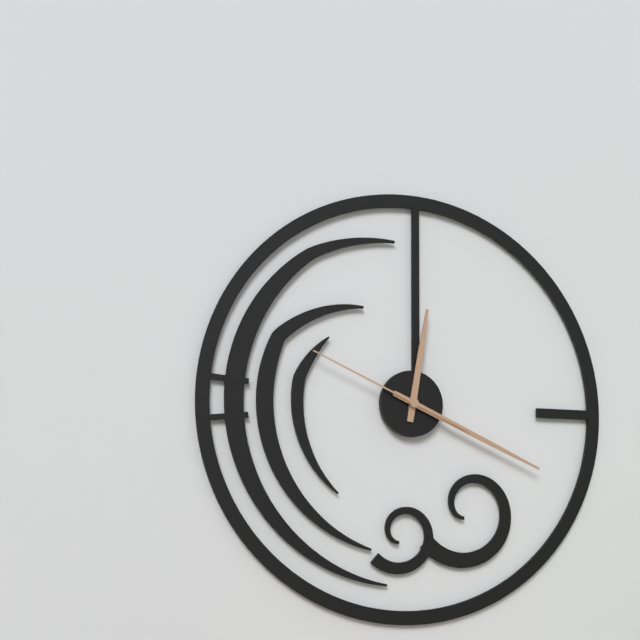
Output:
12 h 19 min 49 s
